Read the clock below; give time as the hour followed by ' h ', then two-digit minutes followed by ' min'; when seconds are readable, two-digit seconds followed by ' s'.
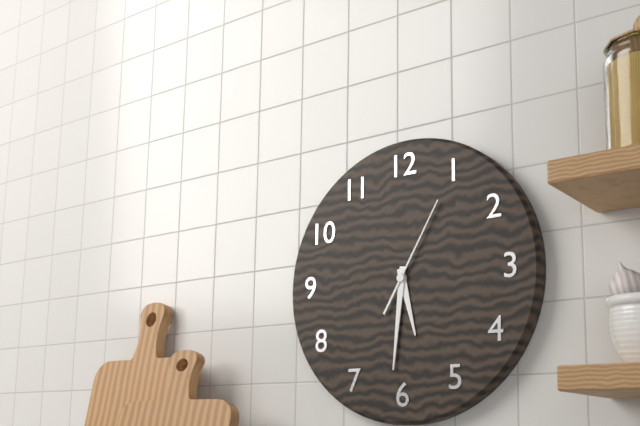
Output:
5 h 31 min 05 s
